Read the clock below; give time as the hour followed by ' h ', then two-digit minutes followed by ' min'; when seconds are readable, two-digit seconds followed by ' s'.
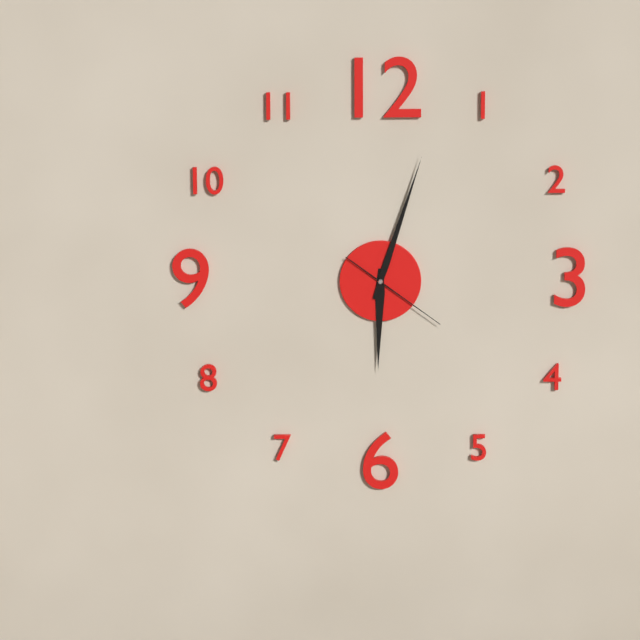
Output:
6 h 03 min 21 s
